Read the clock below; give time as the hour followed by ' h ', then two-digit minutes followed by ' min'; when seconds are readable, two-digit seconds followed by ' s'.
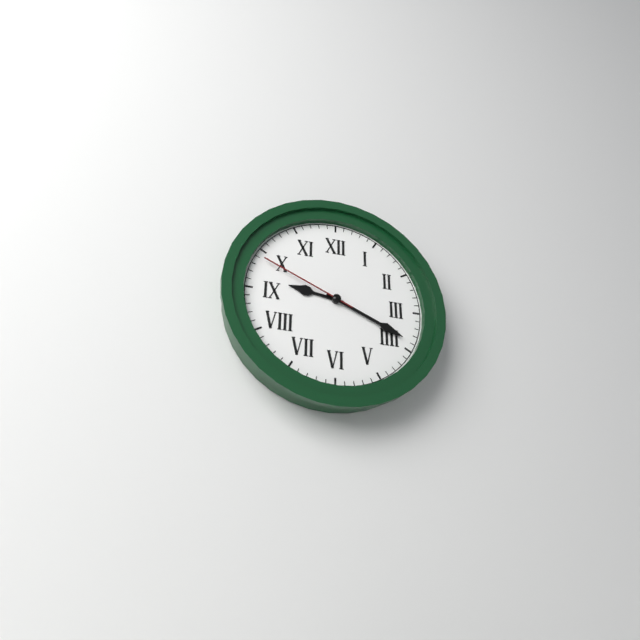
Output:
9 h 19 min 49 s
